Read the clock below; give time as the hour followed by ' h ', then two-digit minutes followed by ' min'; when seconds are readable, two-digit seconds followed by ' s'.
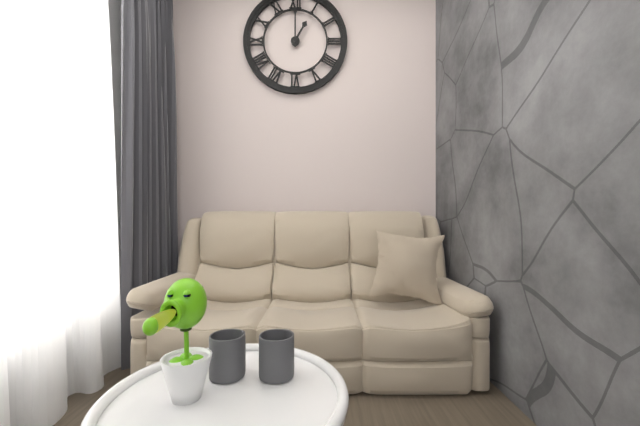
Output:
1 h 00 min
